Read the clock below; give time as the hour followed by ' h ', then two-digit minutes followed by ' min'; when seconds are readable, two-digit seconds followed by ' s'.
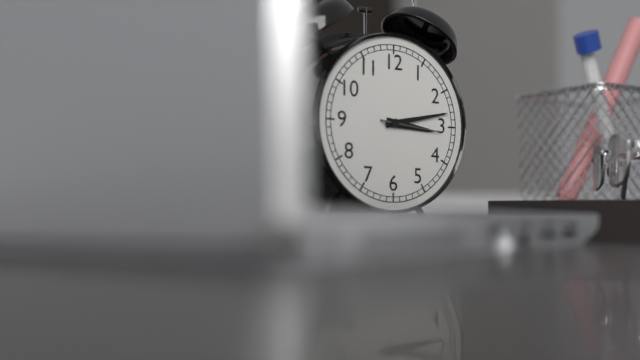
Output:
3 h 13 min 16 s
